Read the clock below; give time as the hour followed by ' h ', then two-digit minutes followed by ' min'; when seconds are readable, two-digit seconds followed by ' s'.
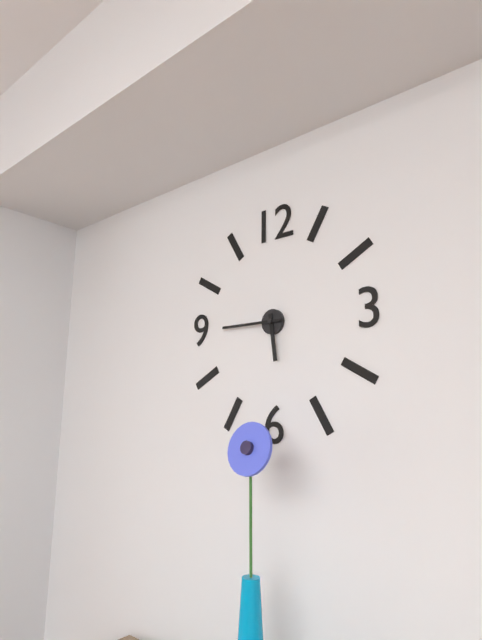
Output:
5 h 45 min
